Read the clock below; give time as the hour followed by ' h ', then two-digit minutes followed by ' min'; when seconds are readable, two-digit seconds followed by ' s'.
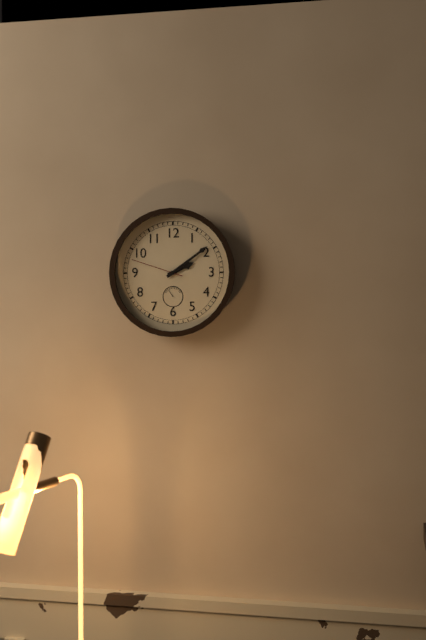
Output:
2 h 09 min 48 s
